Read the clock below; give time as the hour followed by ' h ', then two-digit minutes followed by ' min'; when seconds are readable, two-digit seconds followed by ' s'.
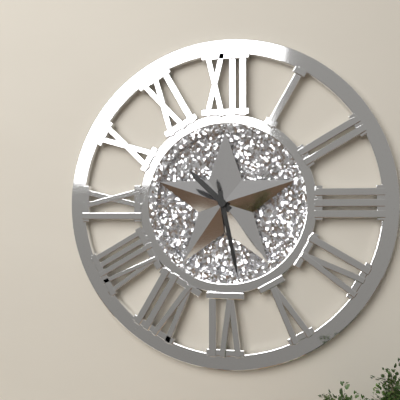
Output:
10 h 28 min
